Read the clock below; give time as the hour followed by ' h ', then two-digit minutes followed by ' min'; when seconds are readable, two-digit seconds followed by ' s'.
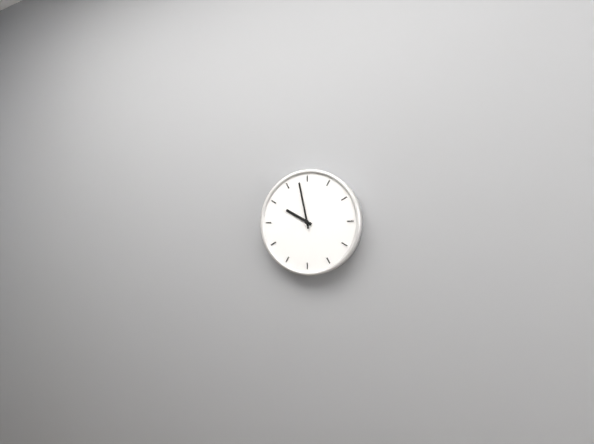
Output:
9 h 58 min
